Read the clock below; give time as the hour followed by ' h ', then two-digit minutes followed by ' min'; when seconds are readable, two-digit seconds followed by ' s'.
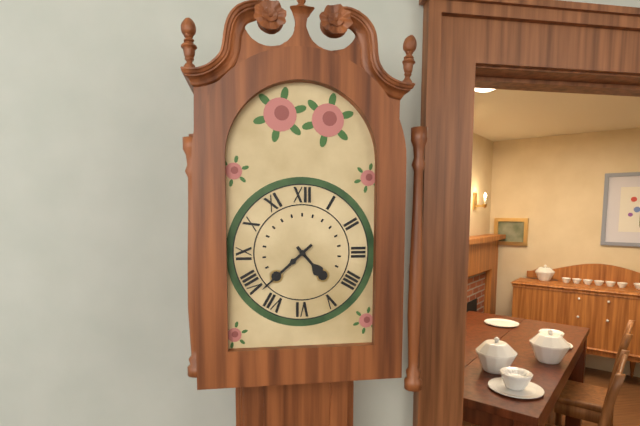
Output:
4 h 38 min
